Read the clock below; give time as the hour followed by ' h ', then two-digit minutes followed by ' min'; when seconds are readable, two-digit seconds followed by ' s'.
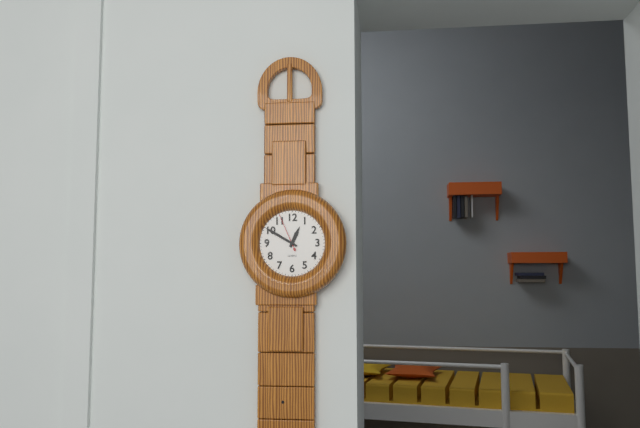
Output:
12 h 50 min
